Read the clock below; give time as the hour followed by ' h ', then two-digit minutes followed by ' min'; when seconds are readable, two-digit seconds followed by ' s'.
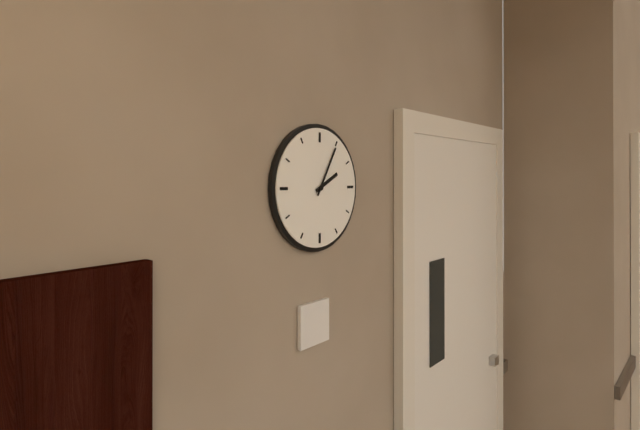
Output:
2 h 05 min
